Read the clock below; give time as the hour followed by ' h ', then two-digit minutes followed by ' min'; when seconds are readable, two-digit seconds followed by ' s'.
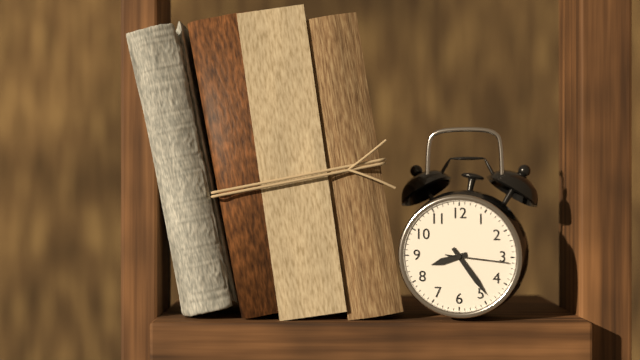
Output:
8 h 24 min 16 s
